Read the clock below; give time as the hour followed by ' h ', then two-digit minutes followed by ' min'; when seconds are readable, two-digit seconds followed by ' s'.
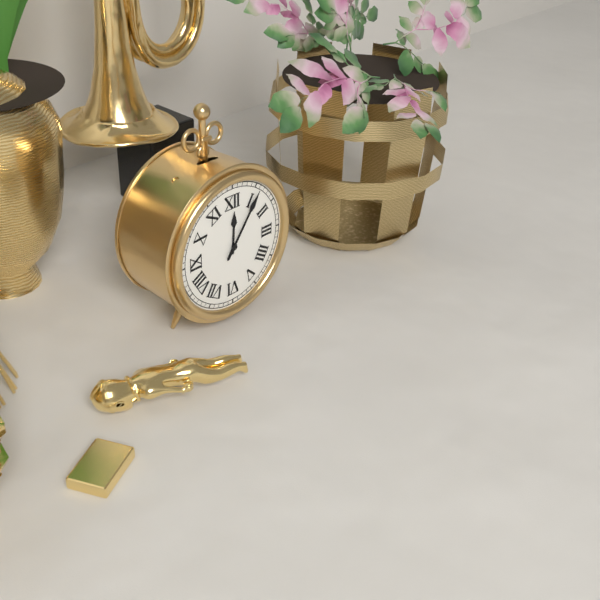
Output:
12 h 06 min
